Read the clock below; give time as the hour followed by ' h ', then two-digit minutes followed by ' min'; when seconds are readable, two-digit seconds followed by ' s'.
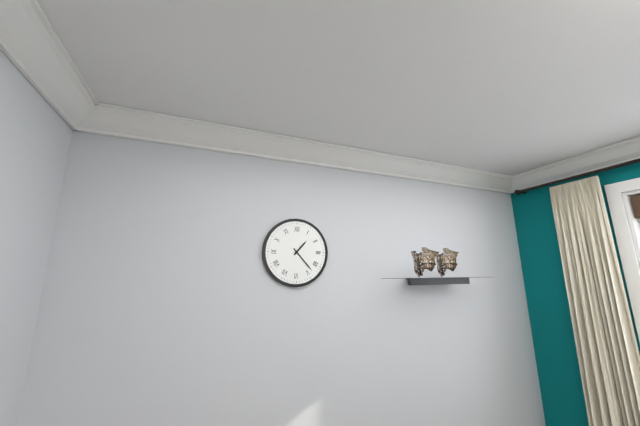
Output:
1 h 23 min
